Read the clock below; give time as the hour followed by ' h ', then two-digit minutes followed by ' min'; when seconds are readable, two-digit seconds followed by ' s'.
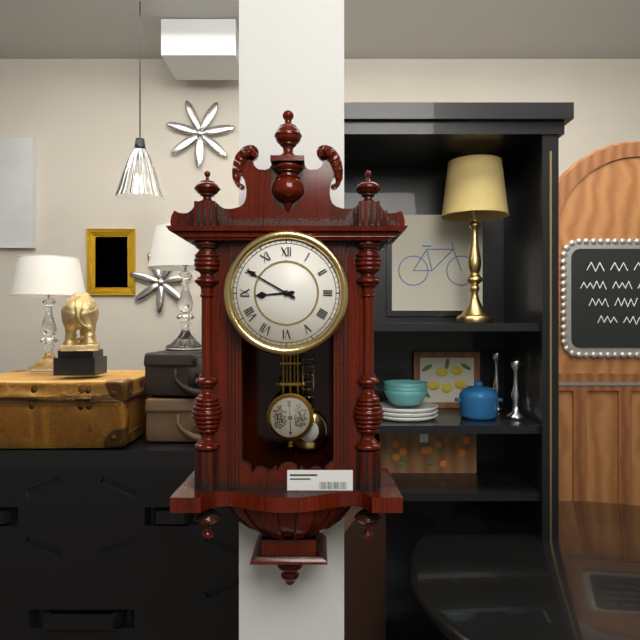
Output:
8 h 50 min
